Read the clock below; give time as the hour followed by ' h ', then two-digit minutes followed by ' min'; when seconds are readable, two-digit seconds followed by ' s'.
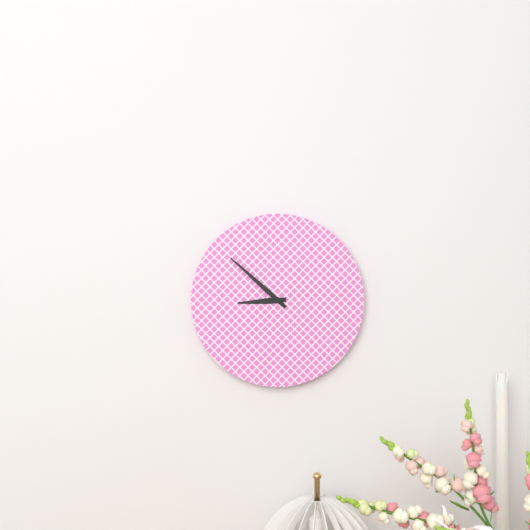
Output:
8 h 52 min
